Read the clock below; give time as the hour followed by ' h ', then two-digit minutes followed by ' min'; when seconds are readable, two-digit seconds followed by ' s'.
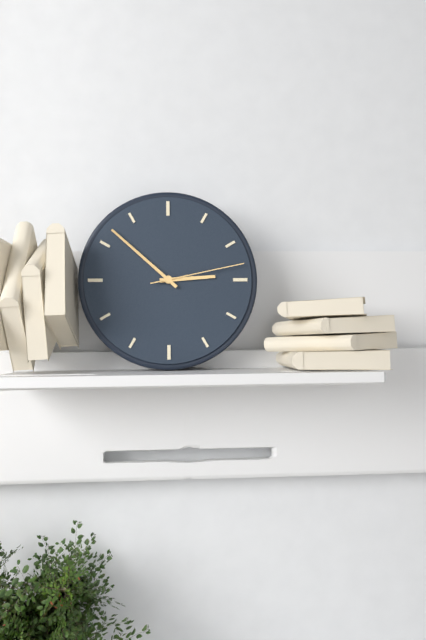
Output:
2 h 52 min 13 s
